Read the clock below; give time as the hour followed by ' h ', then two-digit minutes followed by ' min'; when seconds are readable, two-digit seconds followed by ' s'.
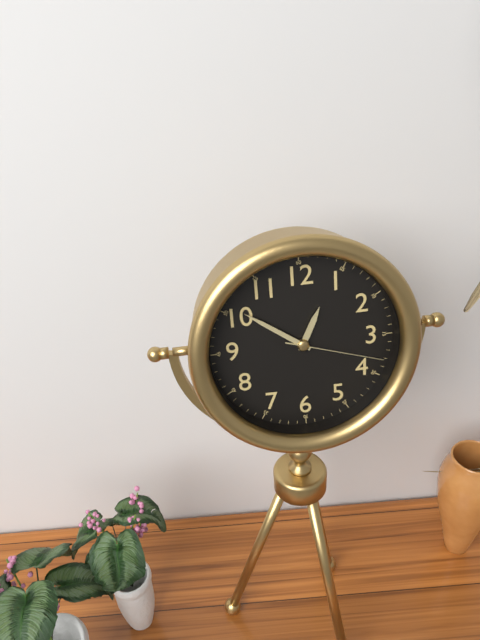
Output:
12 h 51 min 18 s
